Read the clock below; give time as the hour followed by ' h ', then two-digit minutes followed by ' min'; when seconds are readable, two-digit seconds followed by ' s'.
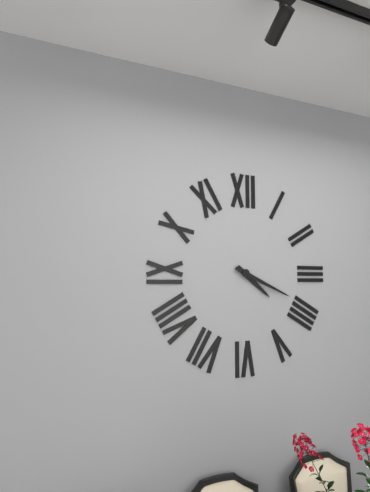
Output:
4 h 19 min
